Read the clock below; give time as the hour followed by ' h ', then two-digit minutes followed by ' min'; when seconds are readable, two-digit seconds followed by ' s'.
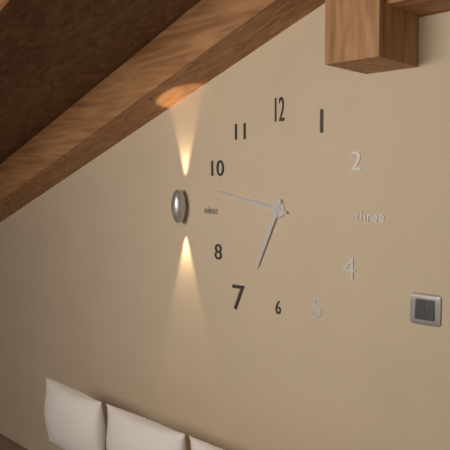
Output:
6 h 47 min
